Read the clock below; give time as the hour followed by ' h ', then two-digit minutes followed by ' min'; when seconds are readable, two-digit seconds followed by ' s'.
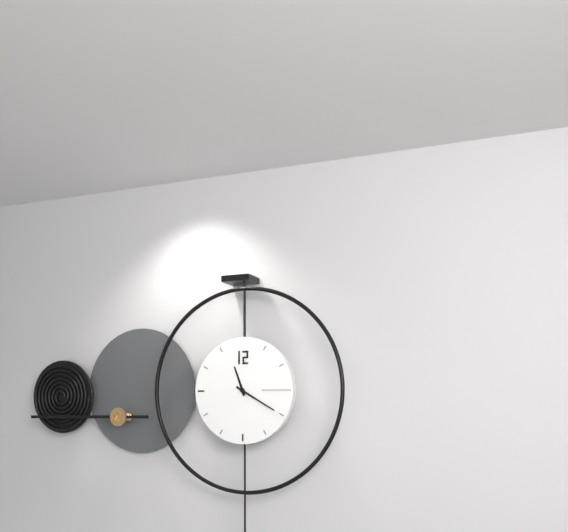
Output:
11 h 20 min
